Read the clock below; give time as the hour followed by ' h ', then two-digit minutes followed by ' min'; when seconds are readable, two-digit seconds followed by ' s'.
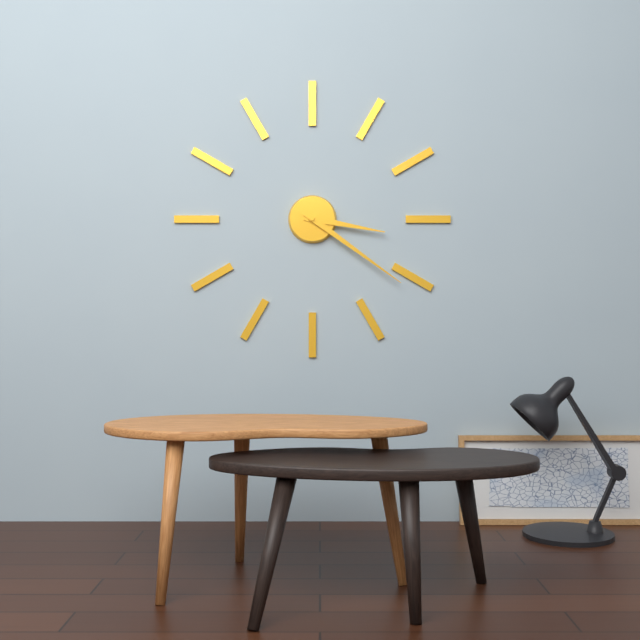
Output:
3 h 21 min
